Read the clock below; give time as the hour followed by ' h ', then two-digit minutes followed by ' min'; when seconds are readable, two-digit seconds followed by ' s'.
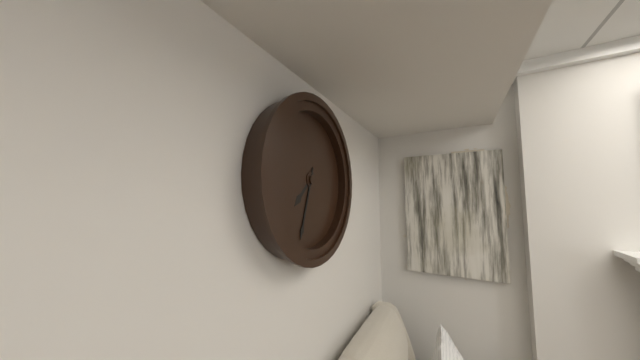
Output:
7 h 33 min
